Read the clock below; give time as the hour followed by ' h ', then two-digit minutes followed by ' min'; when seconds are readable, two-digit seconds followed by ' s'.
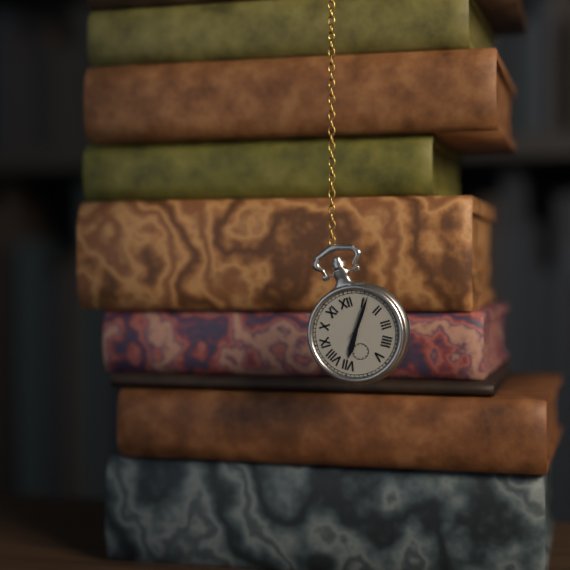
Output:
7 h 06 min
